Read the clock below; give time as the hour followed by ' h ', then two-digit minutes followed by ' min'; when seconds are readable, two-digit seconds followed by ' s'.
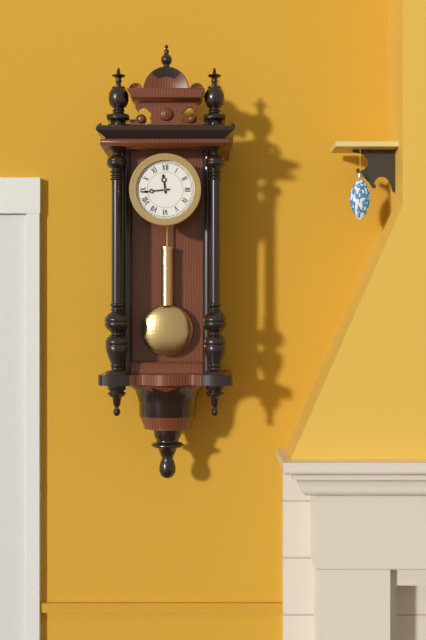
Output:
11 h 44 min
